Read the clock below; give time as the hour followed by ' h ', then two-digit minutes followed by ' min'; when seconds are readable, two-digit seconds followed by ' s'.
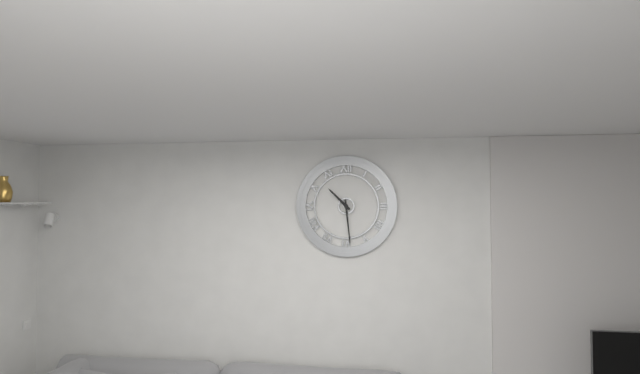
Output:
10 h 29 min
